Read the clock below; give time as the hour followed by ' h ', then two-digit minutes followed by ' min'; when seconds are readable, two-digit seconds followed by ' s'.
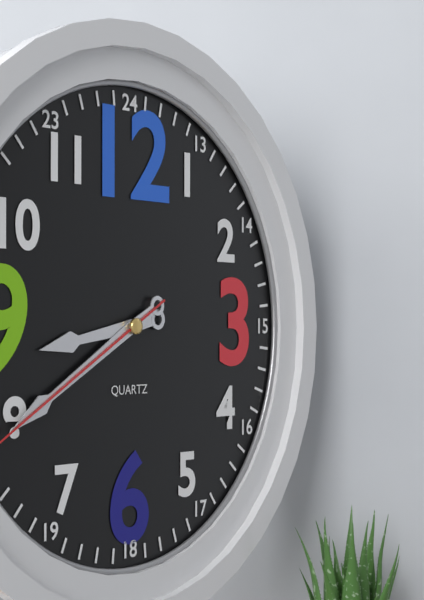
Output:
8 h 40 min
